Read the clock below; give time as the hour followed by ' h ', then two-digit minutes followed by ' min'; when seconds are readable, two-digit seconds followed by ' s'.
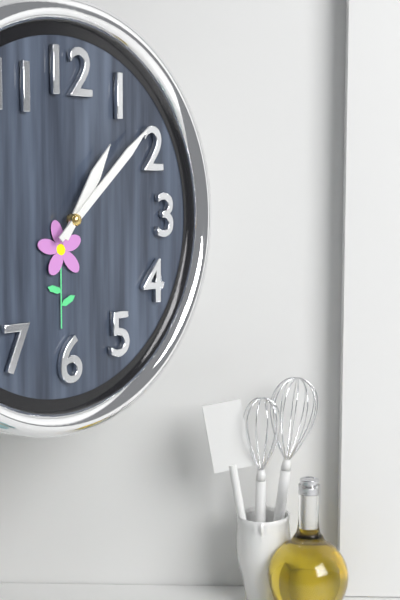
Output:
1 h 08 min
